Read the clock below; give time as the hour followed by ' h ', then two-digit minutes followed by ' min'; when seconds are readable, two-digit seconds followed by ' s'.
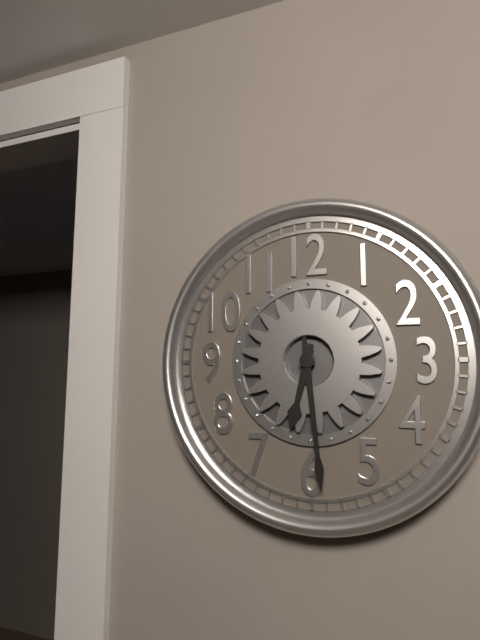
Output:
6 h 29 min
